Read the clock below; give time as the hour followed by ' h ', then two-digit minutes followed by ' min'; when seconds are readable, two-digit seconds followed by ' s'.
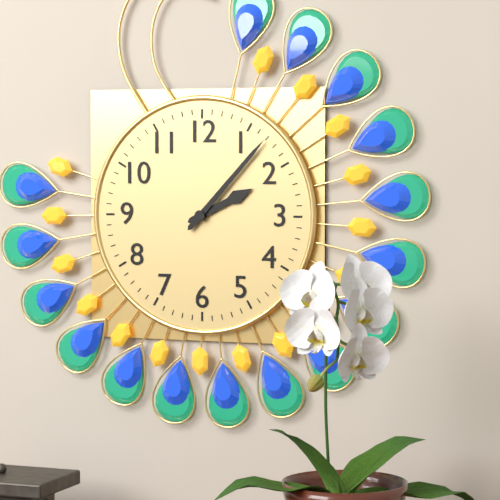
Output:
2 h 07 min
